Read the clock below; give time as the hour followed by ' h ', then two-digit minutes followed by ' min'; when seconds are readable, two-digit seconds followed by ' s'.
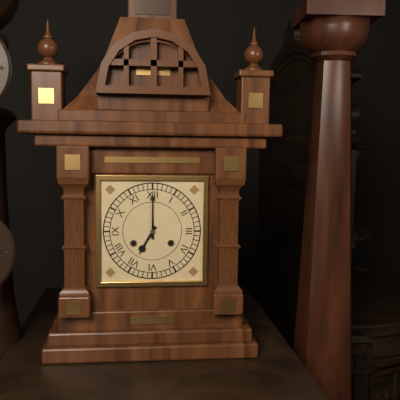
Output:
7 h 00 min
